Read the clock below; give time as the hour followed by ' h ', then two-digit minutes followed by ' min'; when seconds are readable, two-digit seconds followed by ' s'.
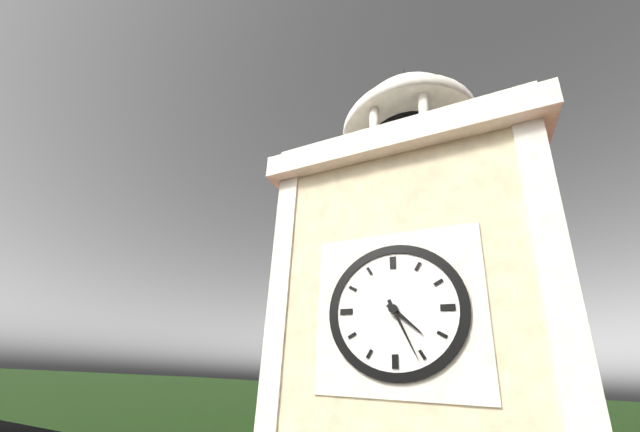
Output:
4 h 26 min
